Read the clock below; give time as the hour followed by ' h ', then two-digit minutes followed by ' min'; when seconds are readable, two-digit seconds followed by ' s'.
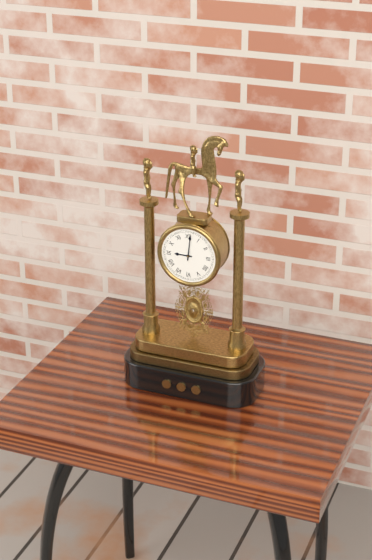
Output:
9 h 01 min
